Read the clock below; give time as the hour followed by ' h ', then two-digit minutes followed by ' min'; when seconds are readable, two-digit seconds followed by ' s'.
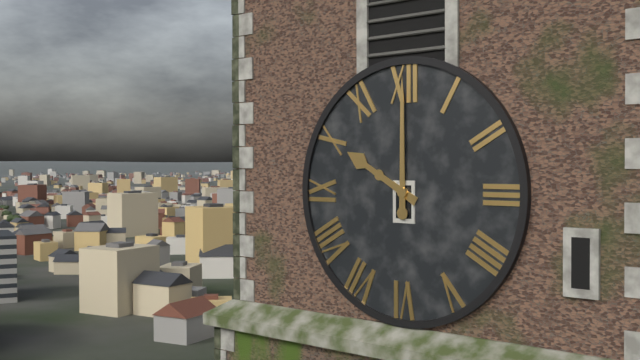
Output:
10 h 00 min
